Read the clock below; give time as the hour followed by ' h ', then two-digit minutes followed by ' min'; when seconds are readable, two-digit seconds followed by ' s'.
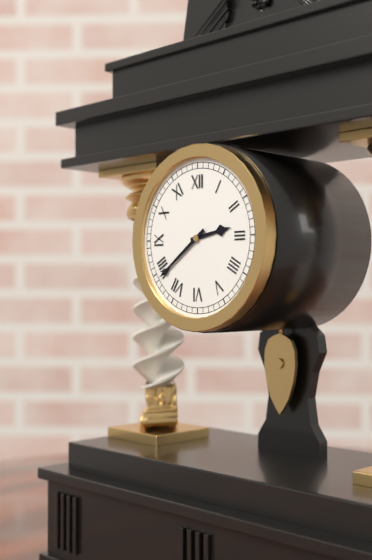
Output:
2 h 39 min
